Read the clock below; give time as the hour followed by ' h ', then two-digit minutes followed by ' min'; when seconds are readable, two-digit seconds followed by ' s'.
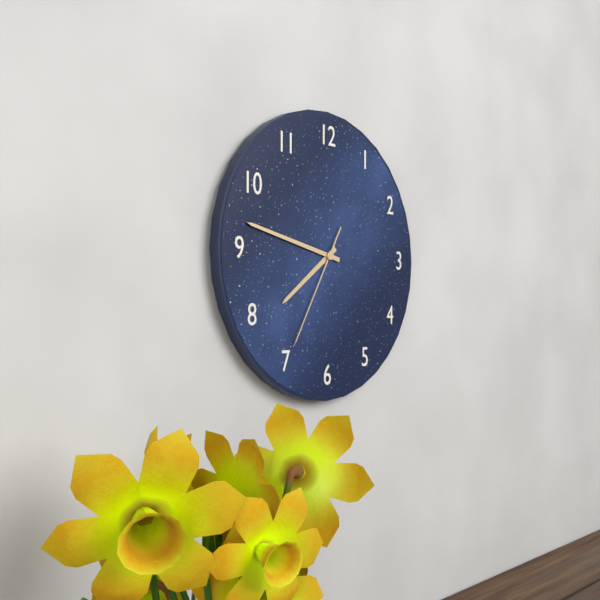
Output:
7 h 47 min 35 s
